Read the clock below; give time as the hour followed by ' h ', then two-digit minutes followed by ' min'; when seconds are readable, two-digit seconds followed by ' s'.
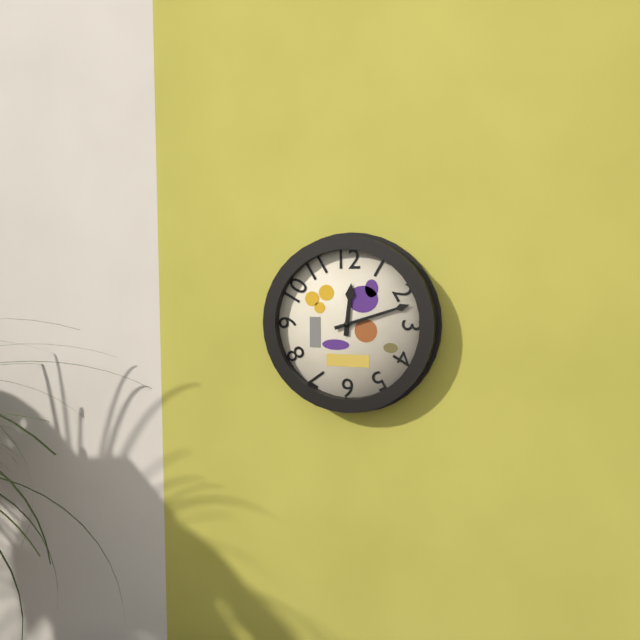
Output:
12 h 12 min
